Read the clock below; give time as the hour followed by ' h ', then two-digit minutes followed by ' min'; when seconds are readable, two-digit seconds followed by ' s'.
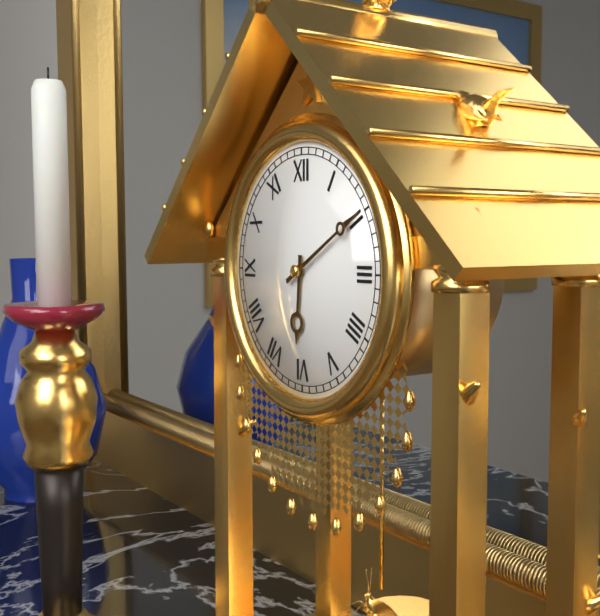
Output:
6 h 10 min
